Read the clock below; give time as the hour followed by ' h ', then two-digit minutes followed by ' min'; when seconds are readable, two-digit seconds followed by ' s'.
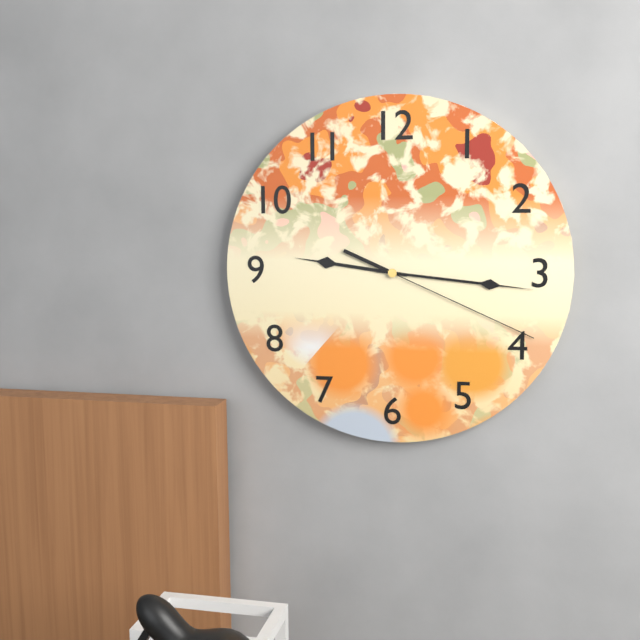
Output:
9 h 16 min 19 s
